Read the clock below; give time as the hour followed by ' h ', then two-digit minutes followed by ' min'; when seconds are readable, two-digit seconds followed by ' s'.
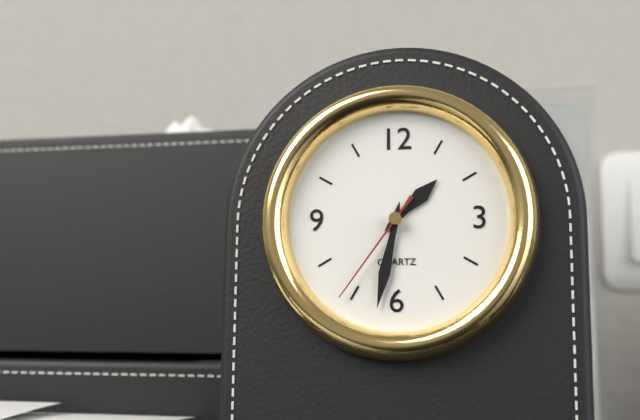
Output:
1 h 32 min 36 s
